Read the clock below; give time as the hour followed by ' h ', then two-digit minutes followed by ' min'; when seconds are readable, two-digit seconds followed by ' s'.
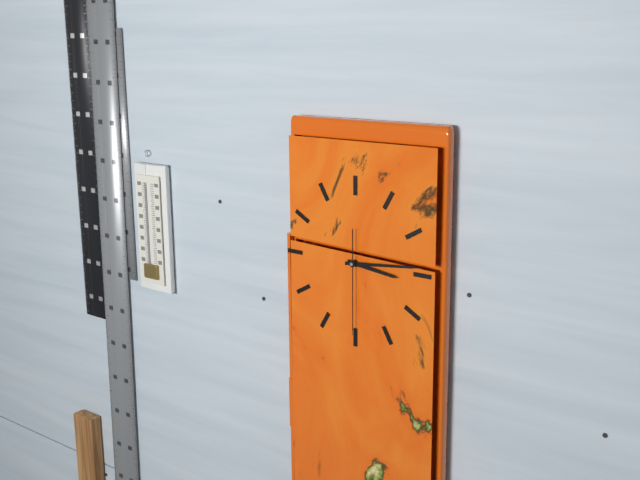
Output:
3 h 14 min 30 s
